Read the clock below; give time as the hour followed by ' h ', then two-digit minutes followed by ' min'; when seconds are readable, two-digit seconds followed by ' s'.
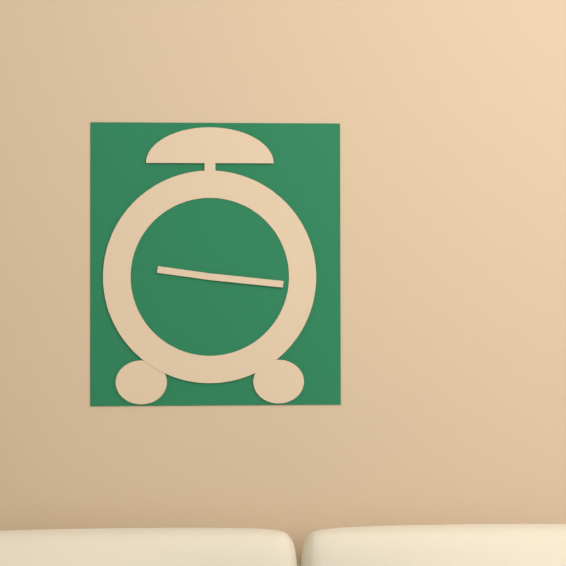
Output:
9 h 16 min
